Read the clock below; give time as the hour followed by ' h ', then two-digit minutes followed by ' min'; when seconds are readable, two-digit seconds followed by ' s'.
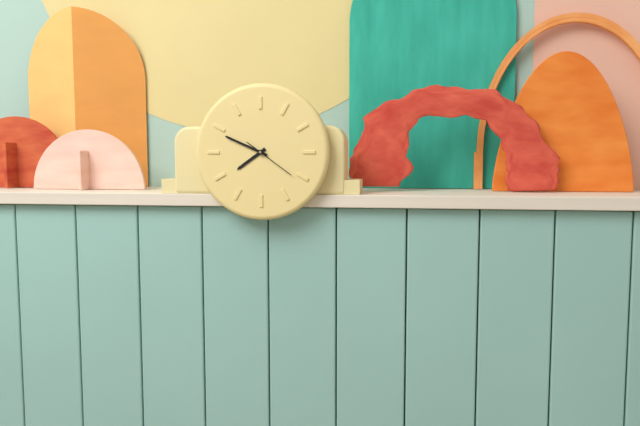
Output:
7 h 49 min
